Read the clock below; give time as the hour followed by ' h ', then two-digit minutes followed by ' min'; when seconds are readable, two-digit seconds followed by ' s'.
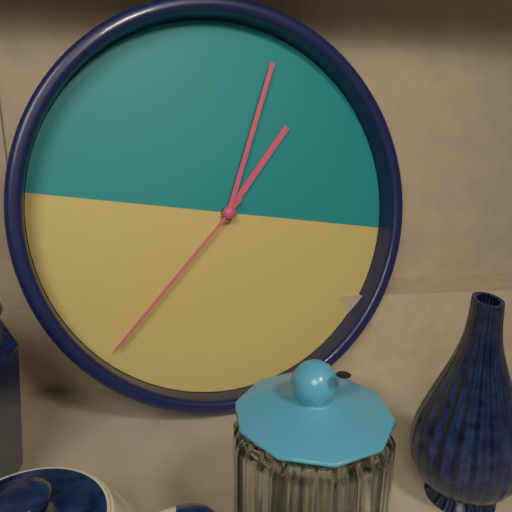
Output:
1 h 02 min 36 s
